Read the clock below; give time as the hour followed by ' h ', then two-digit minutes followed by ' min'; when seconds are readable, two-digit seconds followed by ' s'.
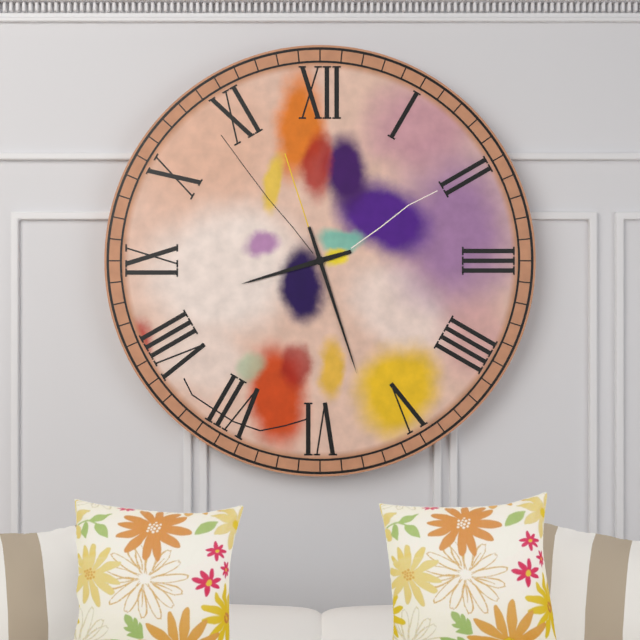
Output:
8 h 27 min
